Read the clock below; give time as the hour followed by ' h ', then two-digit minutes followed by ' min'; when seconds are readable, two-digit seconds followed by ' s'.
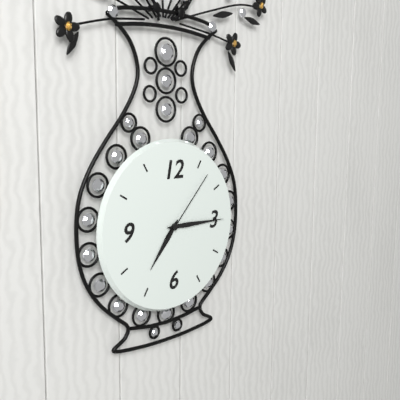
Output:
7 h 15 min 07 s
